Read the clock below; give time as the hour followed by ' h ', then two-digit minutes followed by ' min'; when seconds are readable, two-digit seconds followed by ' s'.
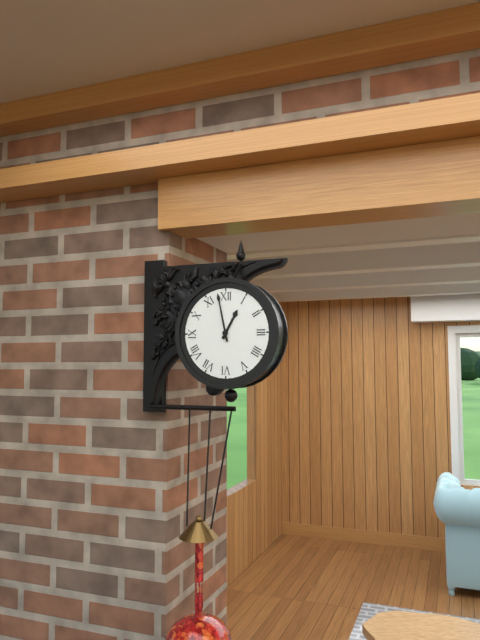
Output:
12 h 58 min
